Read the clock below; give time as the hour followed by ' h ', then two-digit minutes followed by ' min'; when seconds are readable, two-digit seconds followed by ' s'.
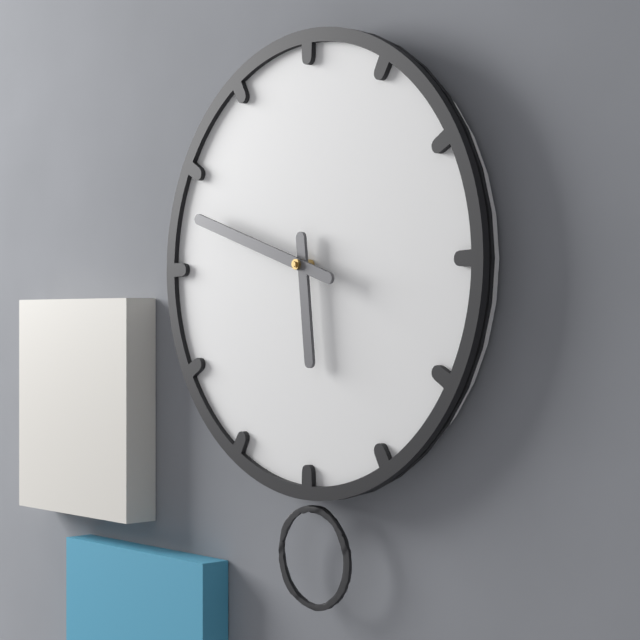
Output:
5 h 48 min
